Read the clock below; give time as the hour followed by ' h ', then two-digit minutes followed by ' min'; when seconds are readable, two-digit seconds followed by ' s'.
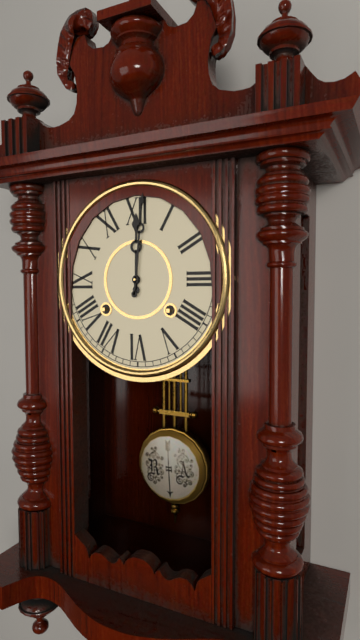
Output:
12 h 01 min
